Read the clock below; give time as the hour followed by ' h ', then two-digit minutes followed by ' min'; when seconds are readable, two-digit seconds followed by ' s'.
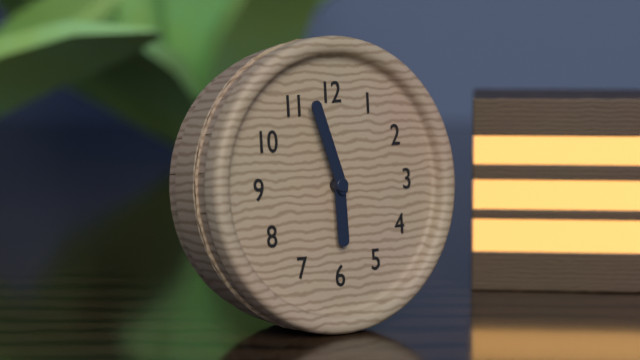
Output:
5 h 57 min
